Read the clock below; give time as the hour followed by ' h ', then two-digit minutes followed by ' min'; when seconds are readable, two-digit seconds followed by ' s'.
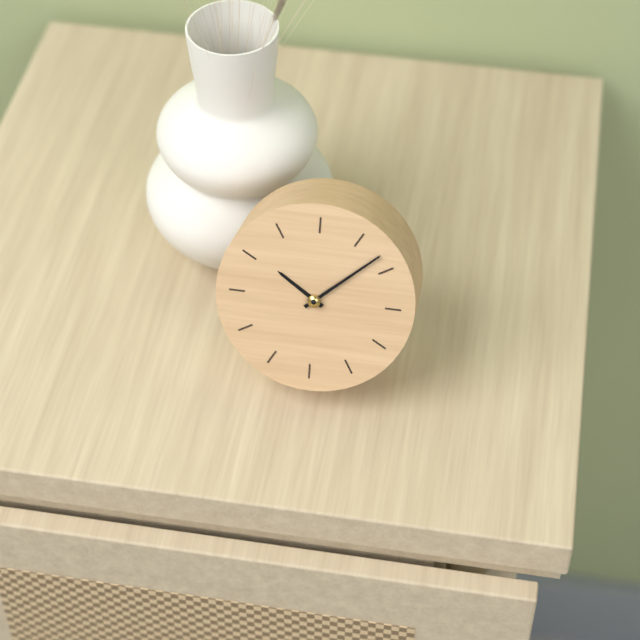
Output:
10 h 08 min
